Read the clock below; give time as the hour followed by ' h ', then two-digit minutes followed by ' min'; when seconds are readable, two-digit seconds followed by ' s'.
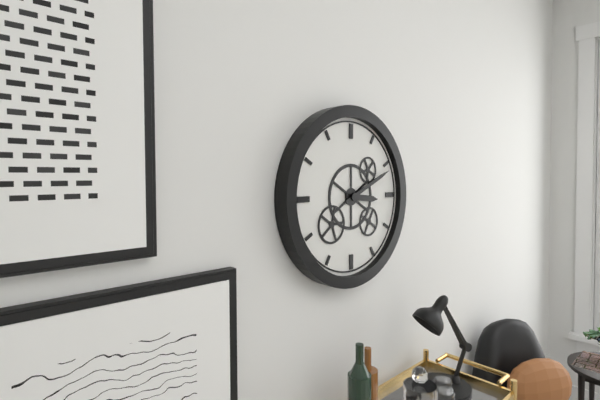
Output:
3 h 11 min
